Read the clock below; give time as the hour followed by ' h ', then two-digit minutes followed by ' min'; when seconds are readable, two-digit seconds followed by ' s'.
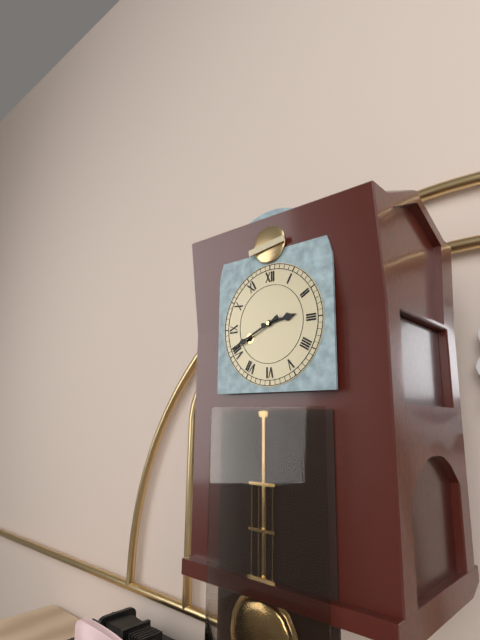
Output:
2 h 41 min
